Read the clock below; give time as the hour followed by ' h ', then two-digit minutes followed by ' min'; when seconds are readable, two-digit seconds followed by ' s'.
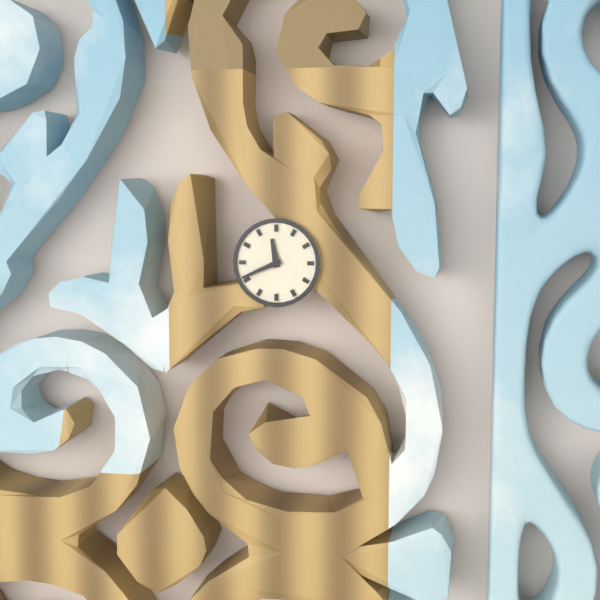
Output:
11 h 41 min
